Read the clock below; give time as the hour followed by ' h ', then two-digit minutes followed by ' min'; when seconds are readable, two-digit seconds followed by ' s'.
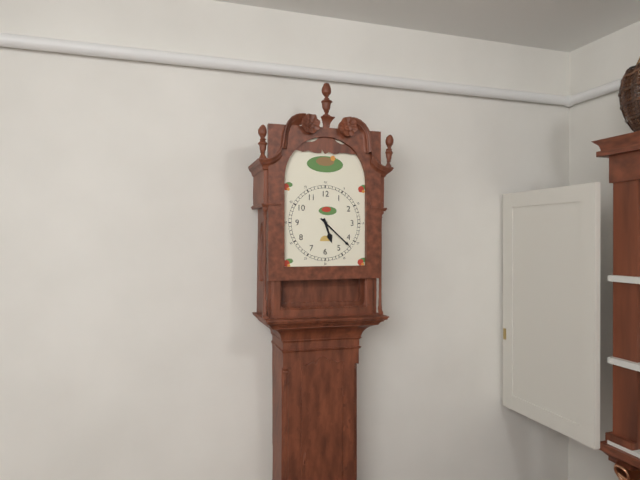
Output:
5 h 22 min
